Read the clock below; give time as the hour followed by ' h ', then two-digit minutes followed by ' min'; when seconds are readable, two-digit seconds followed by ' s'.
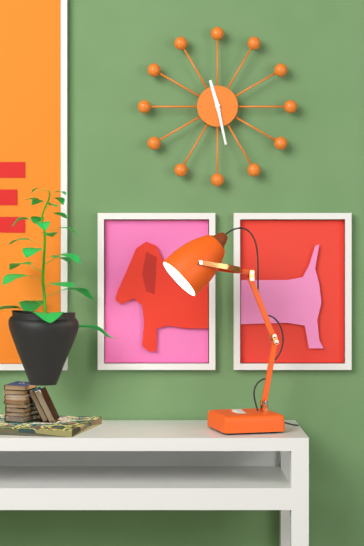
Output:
11 h 28 min
